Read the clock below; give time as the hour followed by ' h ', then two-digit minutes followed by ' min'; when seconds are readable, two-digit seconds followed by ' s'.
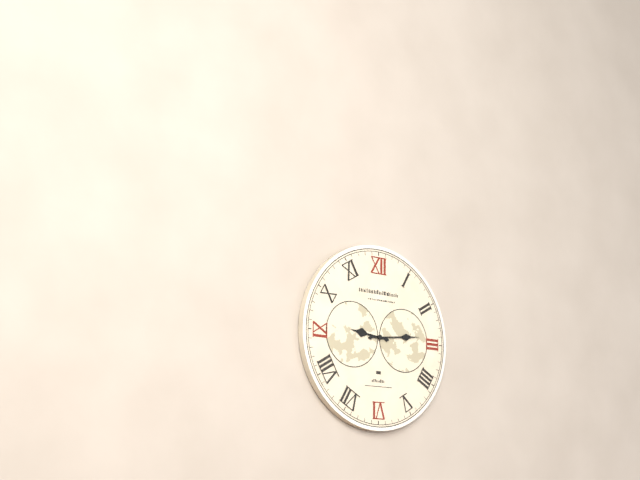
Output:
9 h 14 min
